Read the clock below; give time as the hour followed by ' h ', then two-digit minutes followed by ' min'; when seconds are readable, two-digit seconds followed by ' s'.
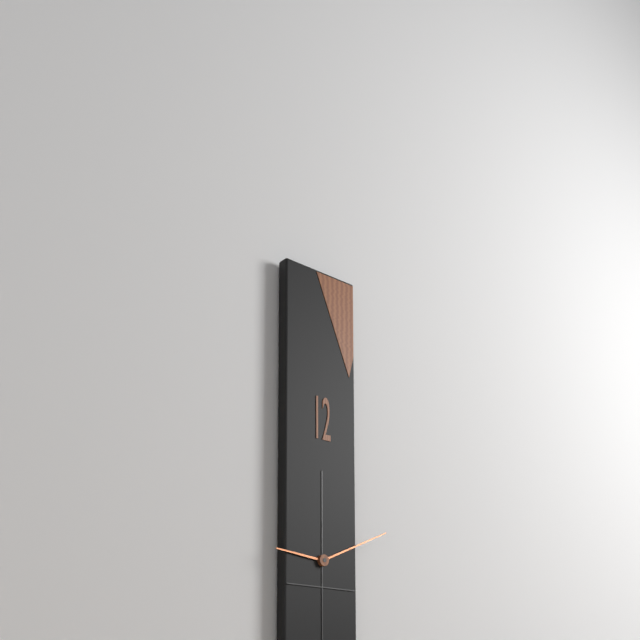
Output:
9 h 11 min
